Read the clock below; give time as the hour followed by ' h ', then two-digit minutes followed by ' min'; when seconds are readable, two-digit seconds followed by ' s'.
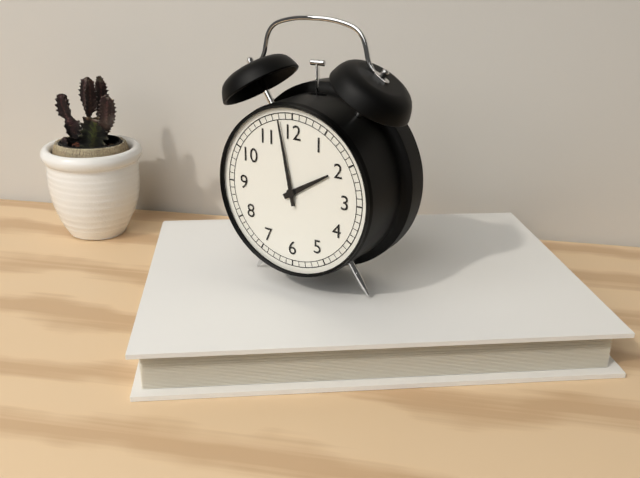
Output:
1 h 58 min
